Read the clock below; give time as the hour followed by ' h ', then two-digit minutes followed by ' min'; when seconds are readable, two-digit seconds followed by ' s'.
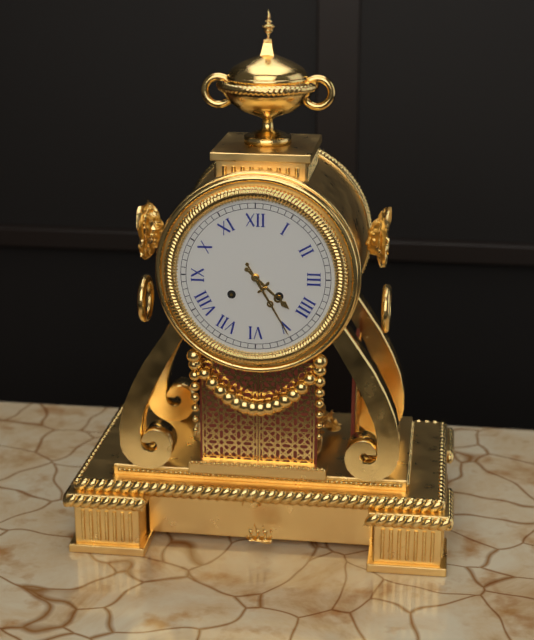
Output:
4 h 25 min
